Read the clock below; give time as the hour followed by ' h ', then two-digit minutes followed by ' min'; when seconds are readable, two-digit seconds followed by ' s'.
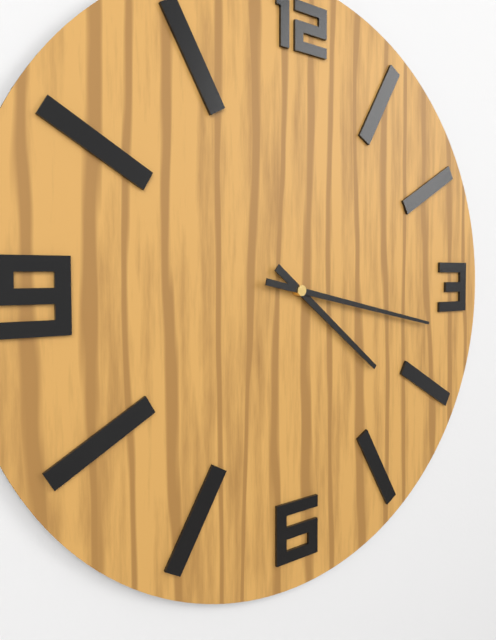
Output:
4 h 17 min
